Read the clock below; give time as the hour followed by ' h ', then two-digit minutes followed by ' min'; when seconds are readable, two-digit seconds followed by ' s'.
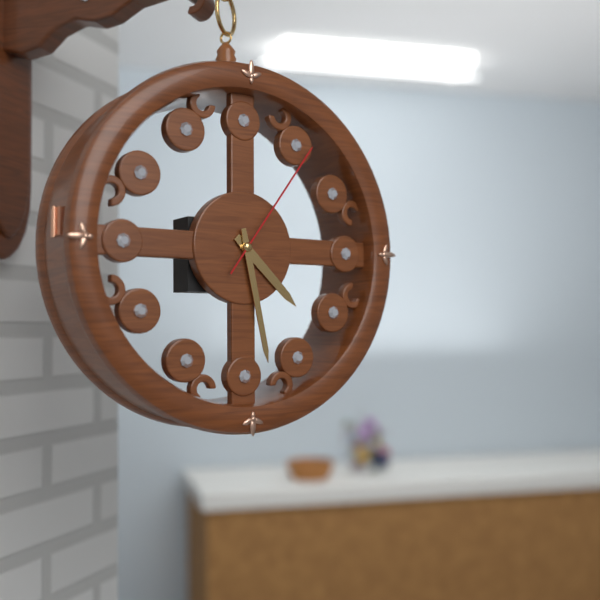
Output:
4 h 28 min 06 s
